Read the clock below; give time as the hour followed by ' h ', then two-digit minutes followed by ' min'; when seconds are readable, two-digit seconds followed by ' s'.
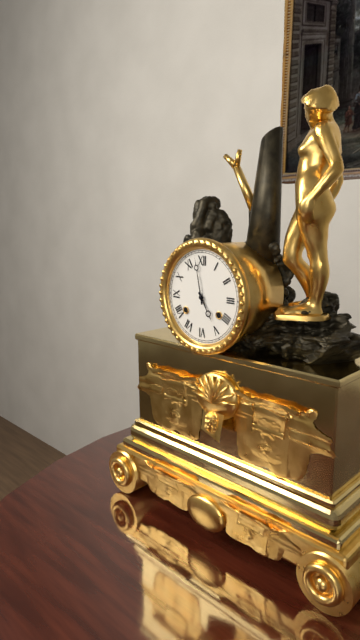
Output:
4 h 58 min
